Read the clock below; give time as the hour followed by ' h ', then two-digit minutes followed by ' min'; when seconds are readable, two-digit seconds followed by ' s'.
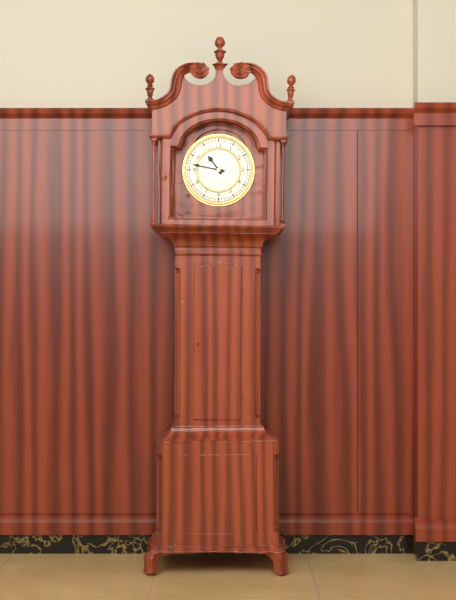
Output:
10 h 47 min
